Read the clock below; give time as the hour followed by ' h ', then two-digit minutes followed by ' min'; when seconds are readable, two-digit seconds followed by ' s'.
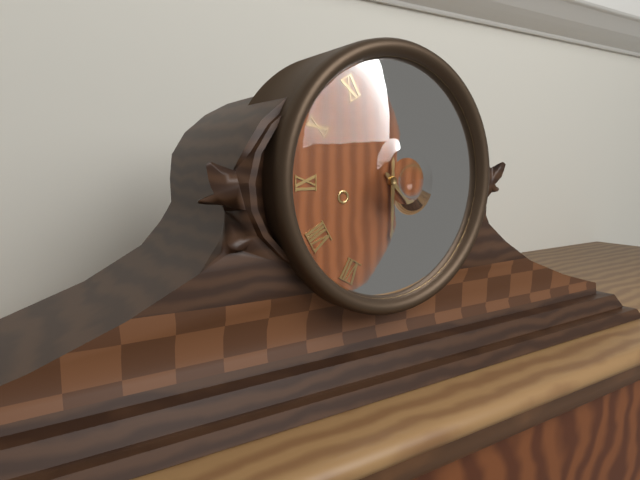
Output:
4 h 30 min
